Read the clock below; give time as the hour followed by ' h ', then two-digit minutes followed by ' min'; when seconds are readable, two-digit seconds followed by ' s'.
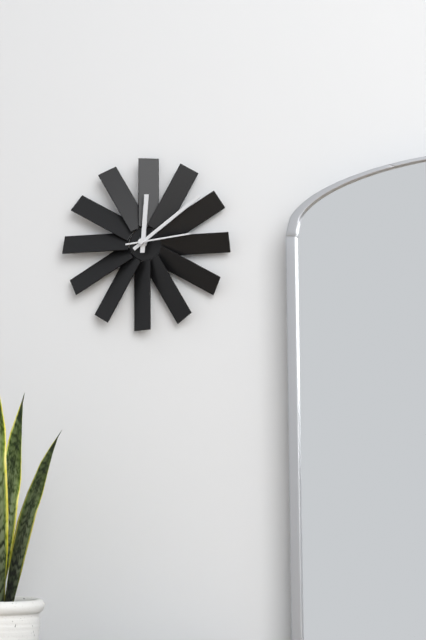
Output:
12 h 09 min 14 s
